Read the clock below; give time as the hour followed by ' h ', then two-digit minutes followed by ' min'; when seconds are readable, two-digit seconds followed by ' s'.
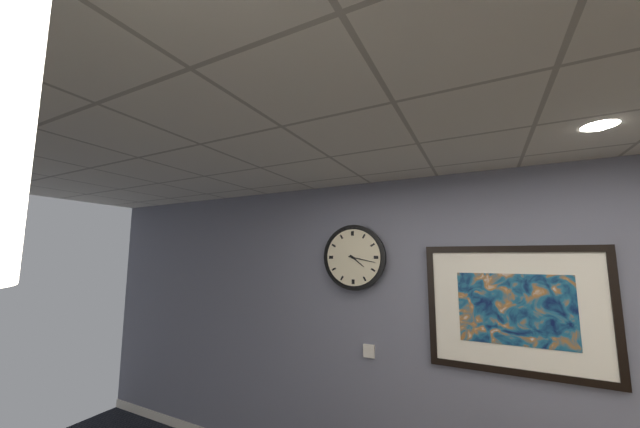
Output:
4 h 17 min
